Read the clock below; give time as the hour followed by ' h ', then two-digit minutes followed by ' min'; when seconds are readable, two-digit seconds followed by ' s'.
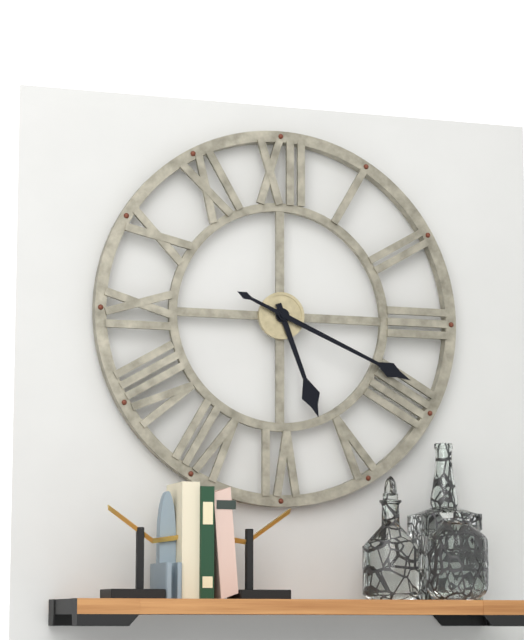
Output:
5 h 19 min
